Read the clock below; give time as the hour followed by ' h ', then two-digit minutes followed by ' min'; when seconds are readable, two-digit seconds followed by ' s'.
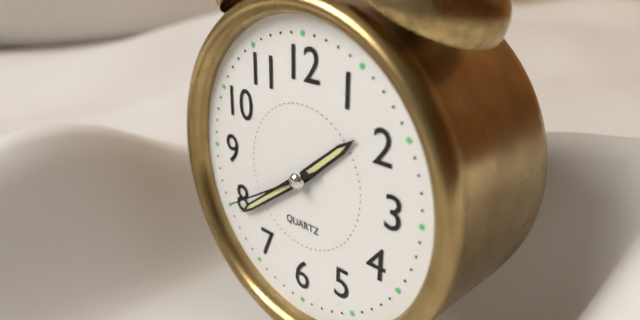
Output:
1 h 39 min 40 s
